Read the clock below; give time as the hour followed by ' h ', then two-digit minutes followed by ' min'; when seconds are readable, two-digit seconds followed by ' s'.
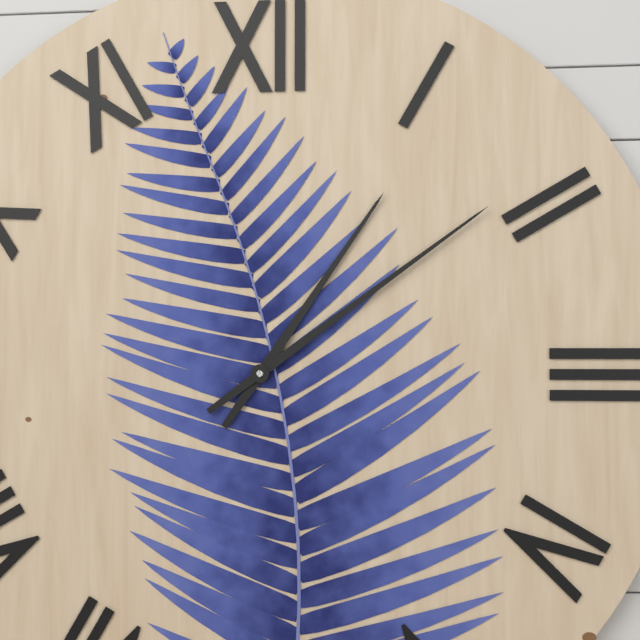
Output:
1 h 09 min
